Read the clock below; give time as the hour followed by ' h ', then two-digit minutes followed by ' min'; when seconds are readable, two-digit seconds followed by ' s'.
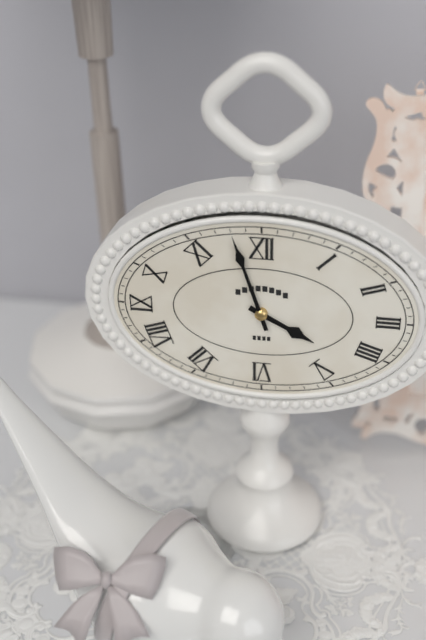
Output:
3 h 57 min
